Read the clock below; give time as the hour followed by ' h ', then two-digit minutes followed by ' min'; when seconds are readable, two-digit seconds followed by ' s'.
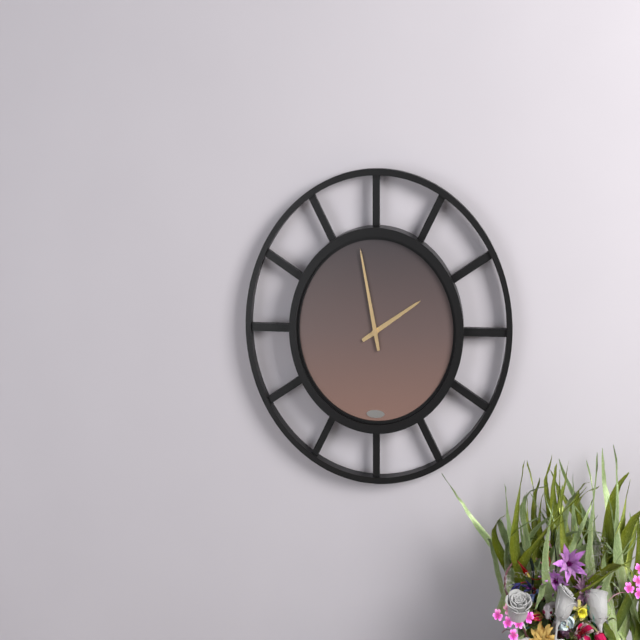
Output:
1 h 58 min
